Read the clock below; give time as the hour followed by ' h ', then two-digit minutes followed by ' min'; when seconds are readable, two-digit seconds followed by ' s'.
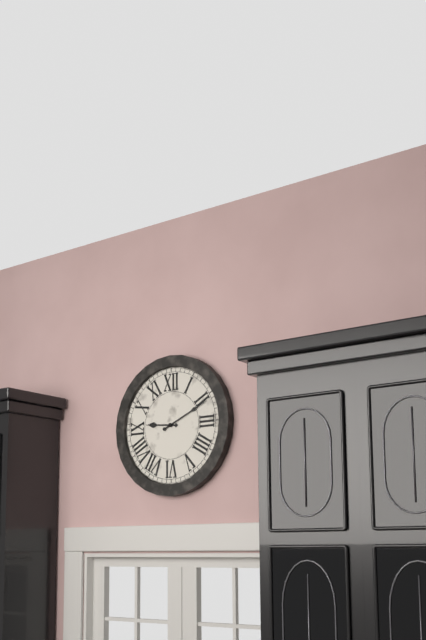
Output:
9 h 11 min
